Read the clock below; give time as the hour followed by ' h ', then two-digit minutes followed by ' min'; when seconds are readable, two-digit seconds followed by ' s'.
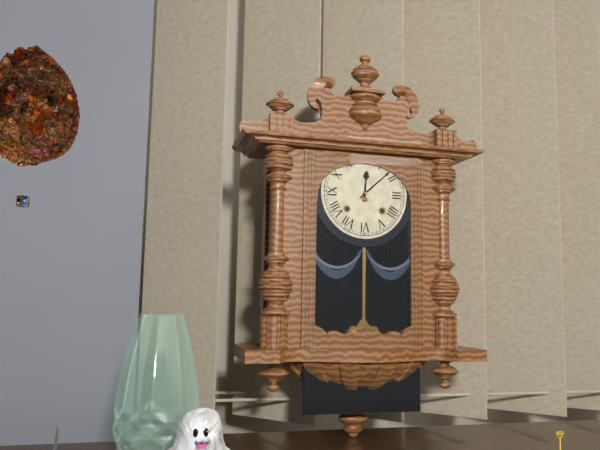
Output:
12 h 08 min
